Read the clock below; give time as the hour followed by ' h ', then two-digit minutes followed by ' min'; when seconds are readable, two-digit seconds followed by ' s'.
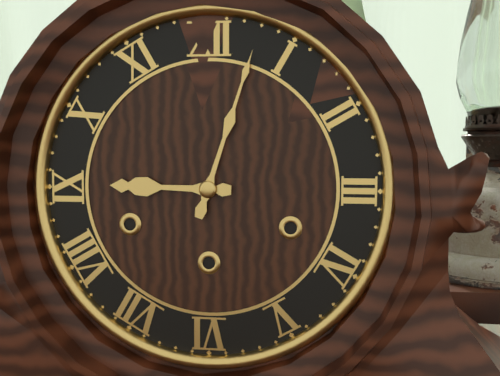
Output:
9 h 03 min
